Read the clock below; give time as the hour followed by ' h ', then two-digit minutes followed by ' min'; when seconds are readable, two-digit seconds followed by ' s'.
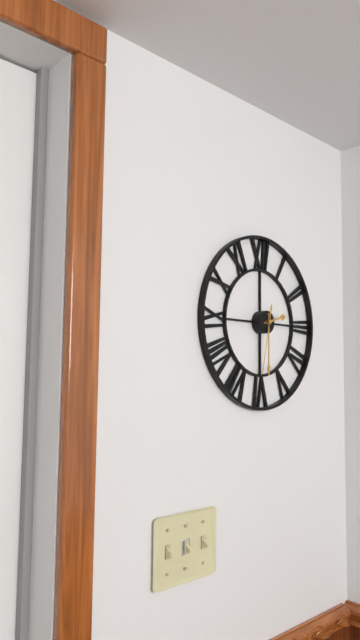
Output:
2 h 30 min 32 s
